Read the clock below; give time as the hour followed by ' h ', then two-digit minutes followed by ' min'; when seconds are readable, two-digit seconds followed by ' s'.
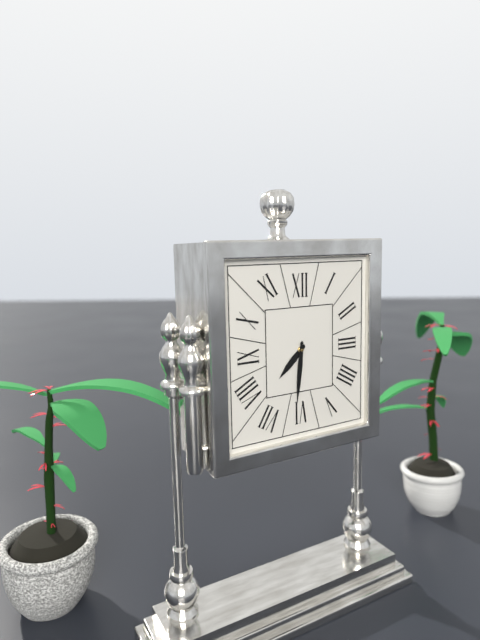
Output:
7 h 31 min
